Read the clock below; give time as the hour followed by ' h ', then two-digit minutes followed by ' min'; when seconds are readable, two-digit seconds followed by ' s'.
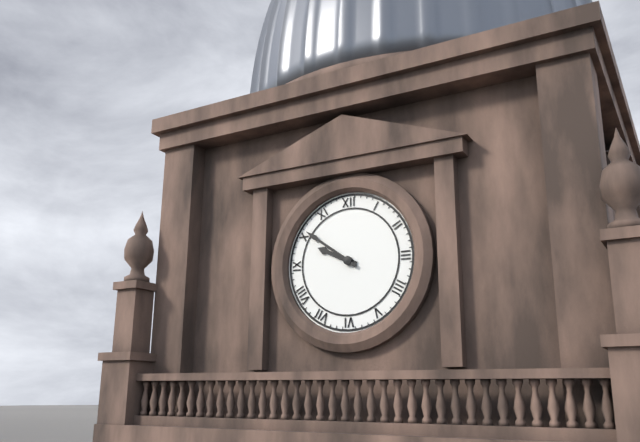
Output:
9 h 51 min
